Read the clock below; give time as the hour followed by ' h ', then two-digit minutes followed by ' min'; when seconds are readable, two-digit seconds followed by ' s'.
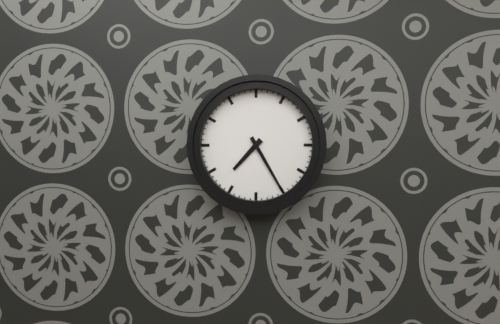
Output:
7 h 25 min
